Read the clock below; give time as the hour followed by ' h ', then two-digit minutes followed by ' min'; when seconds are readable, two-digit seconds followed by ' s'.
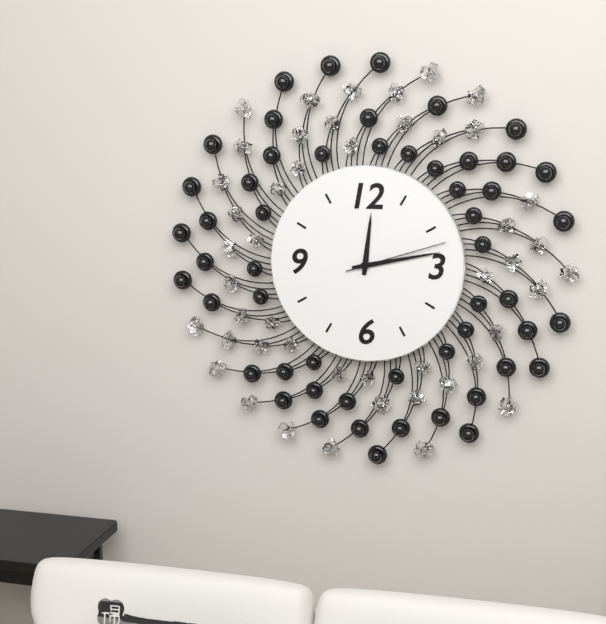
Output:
12 h 13 min 12 s
